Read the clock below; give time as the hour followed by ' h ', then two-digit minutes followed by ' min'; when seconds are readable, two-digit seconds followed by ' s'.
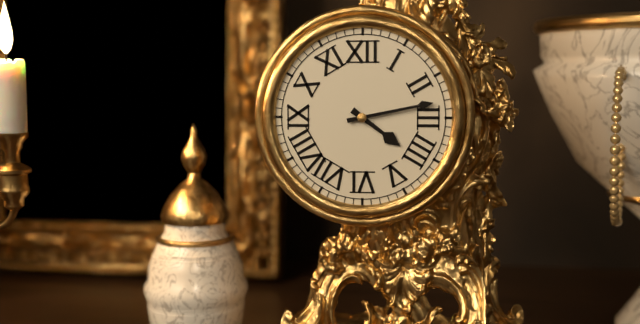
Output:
4 h 13 min
